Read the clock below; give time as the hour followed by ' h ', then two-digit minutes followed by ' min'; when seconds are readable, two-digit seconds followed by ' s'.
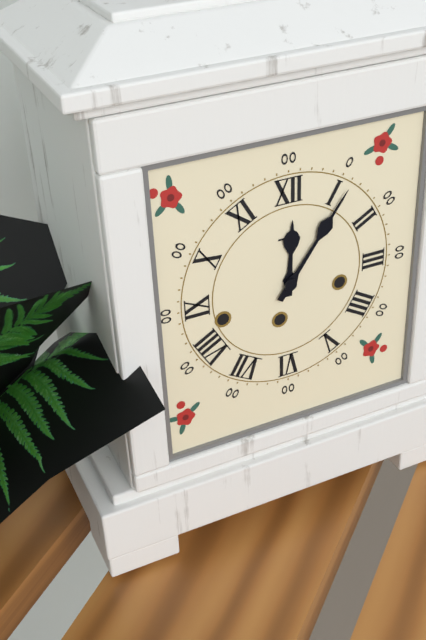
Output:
12 h 06 min
